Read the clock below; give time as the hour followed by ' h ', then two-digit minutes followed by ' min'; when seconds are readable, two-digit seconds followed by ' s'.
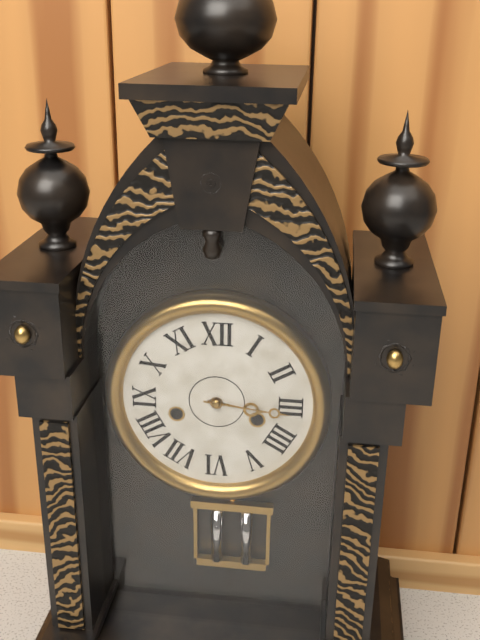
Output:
3 h 16 min
